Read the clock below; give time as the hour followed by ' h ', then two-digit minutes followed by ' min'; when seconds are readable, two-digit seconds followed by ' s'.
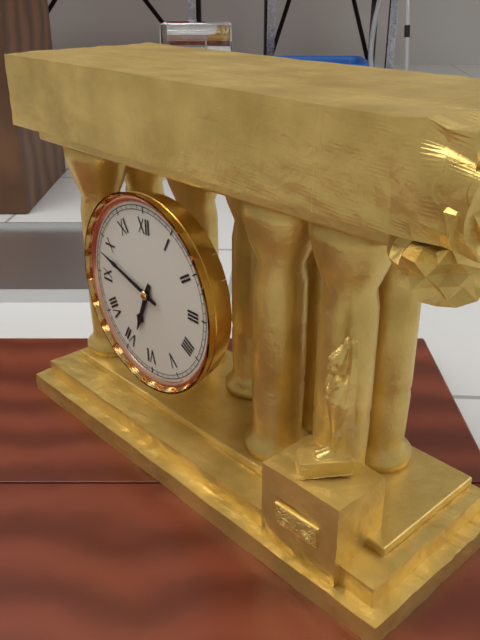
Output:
6 h 48 min
